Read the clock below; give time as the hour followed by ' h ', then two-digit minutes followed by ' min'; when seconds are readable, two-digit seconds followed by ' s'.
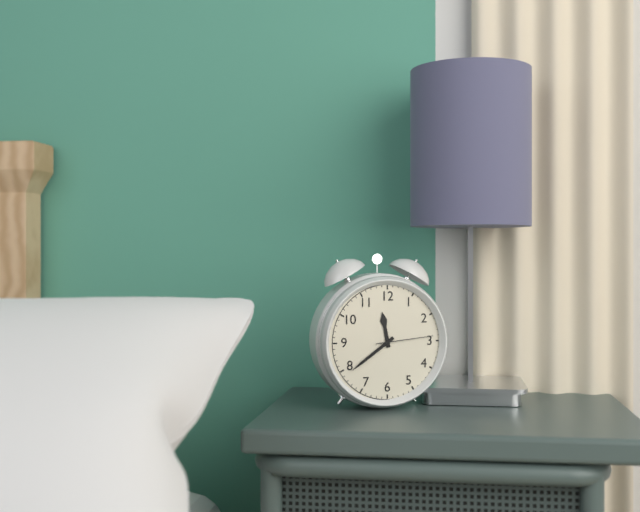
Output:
11 h 39 min 14 s
